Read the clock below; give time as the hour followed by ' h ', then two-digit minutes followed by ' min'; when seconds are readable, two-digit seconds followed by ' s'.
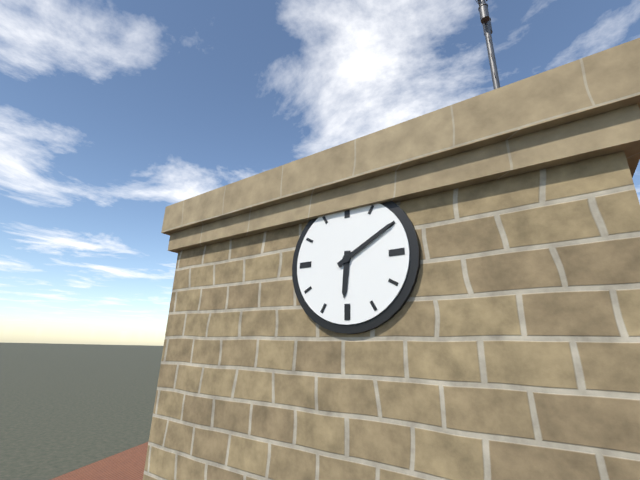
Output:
6 h 10 min
